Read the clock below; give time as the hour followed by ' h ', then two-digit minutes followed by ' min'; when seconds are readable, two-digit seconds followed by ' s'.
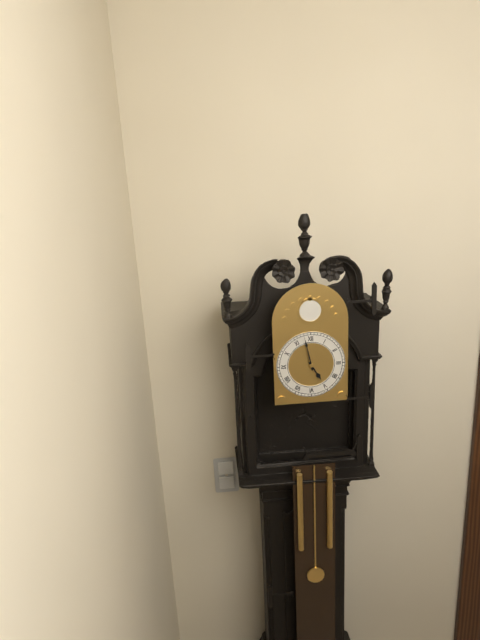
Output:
4 h 58 min
